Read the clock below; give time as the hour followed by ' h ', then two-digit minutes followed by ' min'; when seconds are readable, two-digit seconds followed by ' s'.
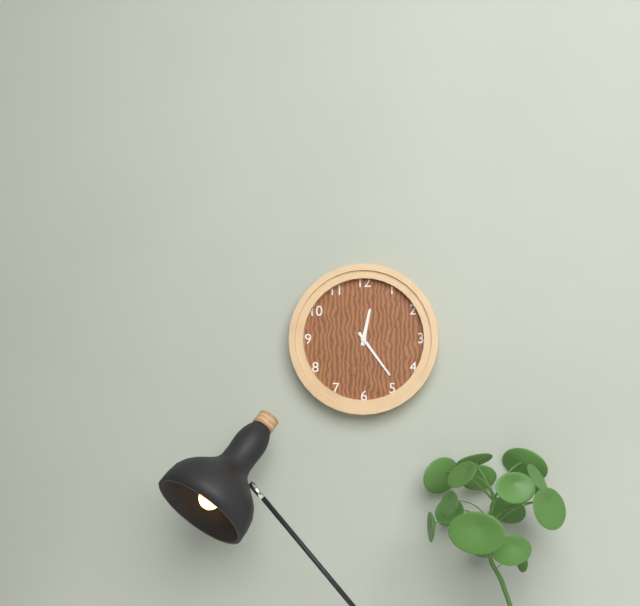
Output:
12 h 24 min
